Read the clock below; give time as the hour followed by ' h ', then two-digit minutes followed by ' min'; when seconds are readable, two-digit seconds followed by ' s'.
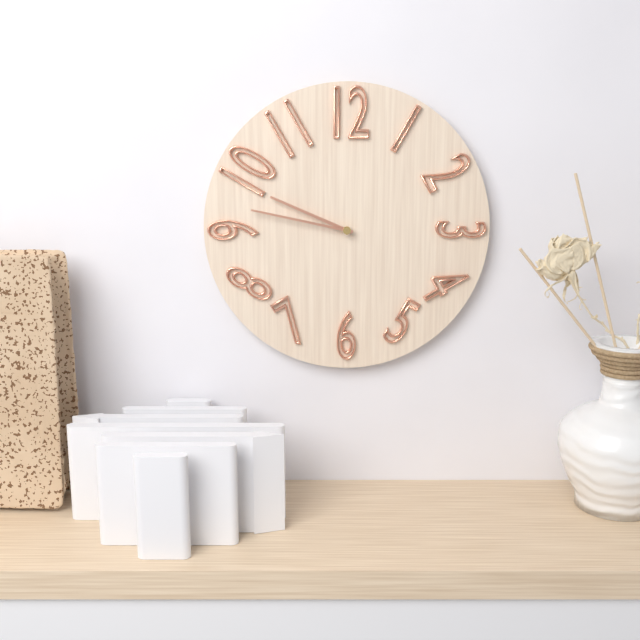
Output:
9 h 47 min
